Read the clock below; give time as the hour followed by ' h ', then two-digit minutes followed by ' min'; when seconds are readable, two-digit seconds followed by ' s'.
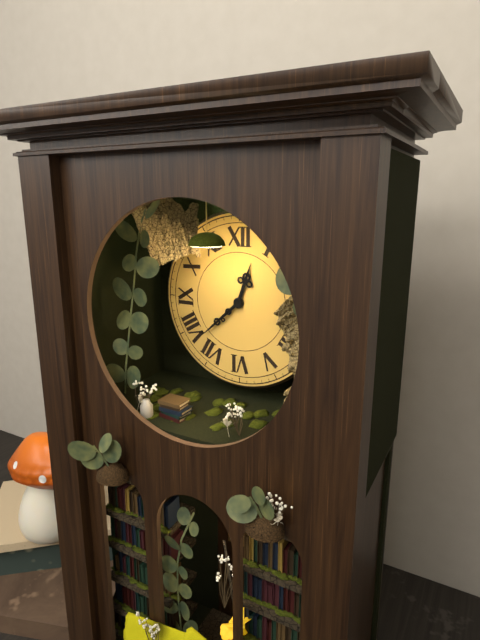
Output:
12 h 38 min
